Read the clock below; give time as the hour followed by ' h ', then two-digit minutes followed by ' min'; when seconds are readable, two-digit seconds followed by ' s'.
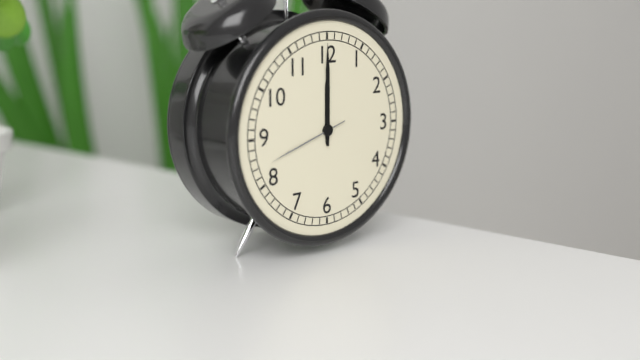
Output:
12 h 00 min 42 s
